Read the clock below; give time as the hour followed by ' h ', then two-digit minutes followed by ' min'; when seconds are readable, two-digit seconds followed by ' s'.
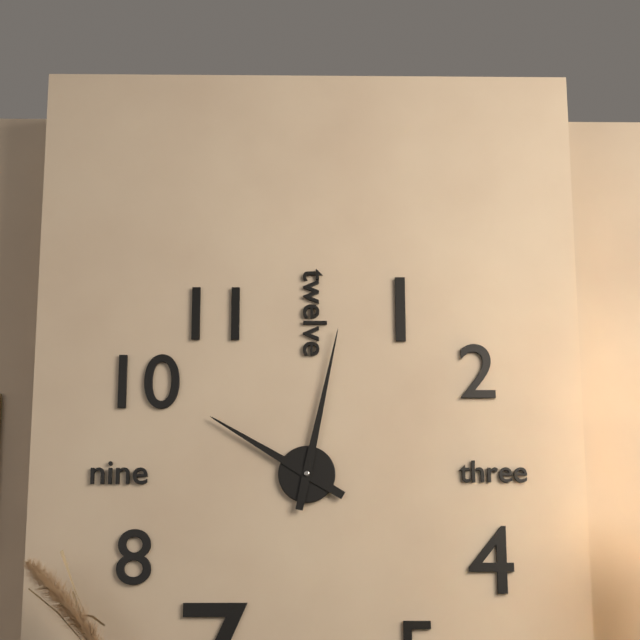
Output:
10 h 02 min
